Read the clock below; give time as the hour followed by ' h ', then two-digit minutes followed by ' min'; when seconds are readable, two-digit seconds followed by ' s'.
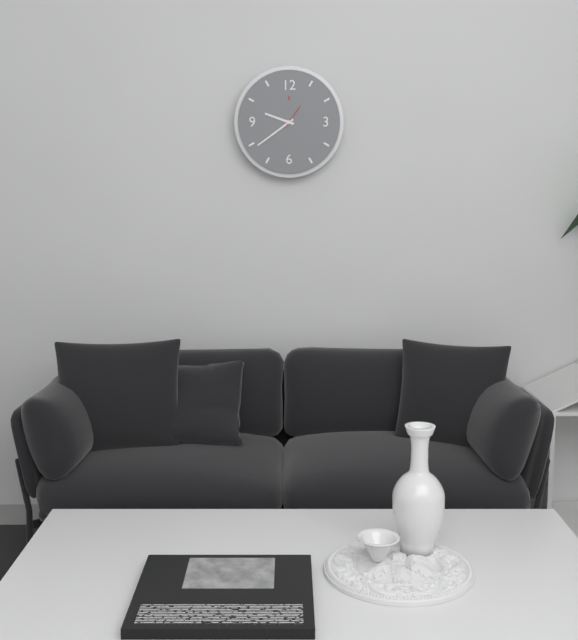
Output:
9 h 39 min
